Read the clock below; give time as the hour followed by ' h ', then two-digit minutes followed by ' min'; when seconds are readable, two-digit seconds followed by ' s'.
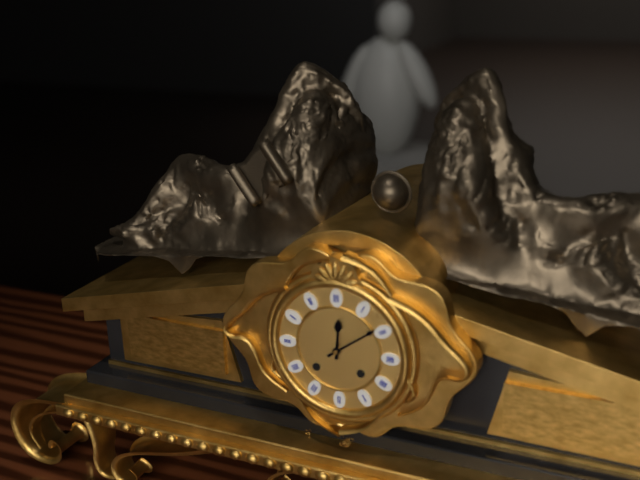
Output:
12 h 09 min
